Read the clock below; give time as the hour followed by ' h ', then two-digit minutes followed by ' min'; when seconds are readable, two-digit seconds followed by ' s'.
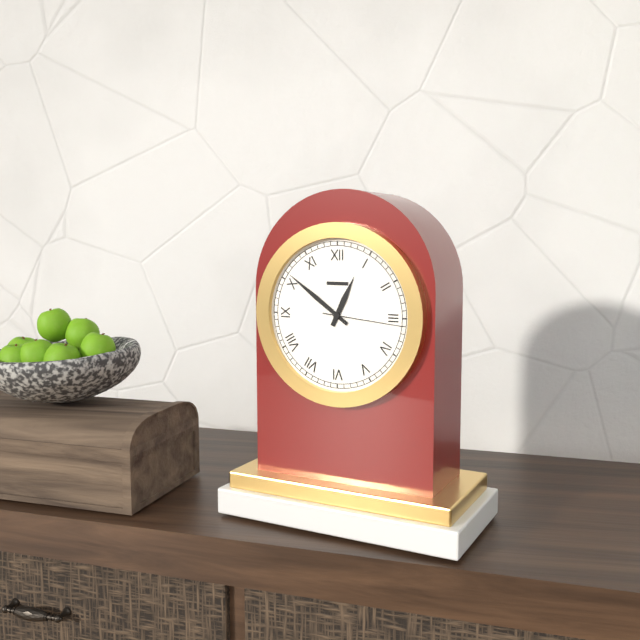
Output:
12 h 51 min 16 s
